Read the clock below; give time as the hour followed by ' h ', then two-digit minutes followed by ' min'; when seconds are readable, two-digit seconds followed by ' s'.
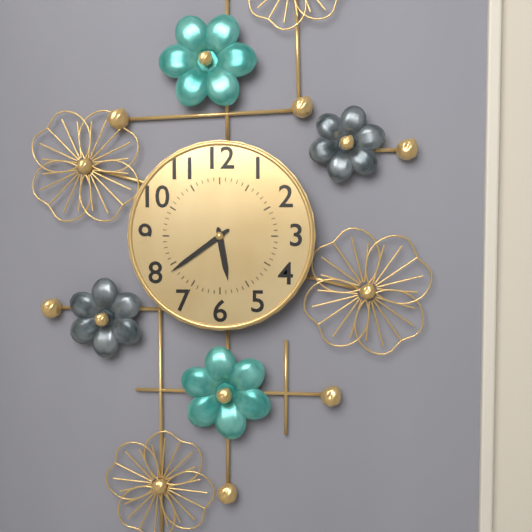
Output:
5 h 39 min
